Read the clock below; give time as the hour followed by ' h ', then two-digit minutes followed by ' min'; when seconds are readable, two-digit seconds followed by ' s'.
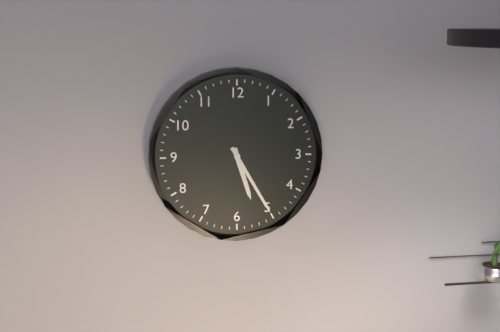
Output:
5 h 25 min
